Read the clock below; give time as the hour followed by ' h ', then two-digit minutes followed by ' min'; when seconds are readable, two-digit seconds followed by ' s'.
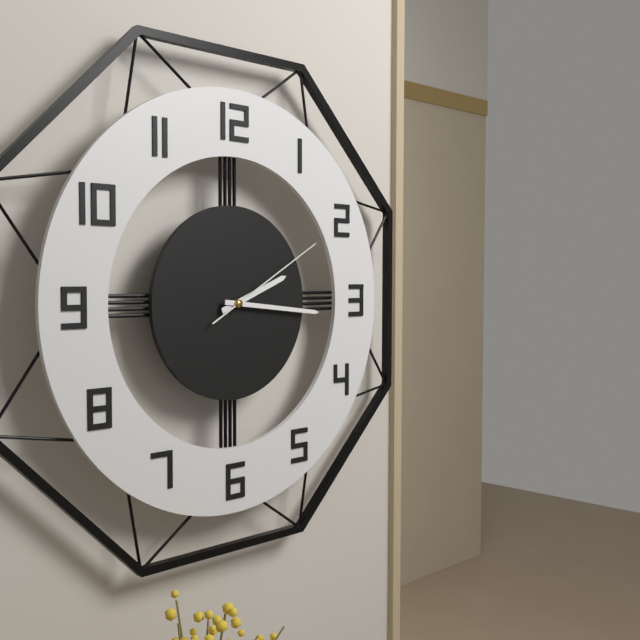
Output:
2 h 16 min 10 s
